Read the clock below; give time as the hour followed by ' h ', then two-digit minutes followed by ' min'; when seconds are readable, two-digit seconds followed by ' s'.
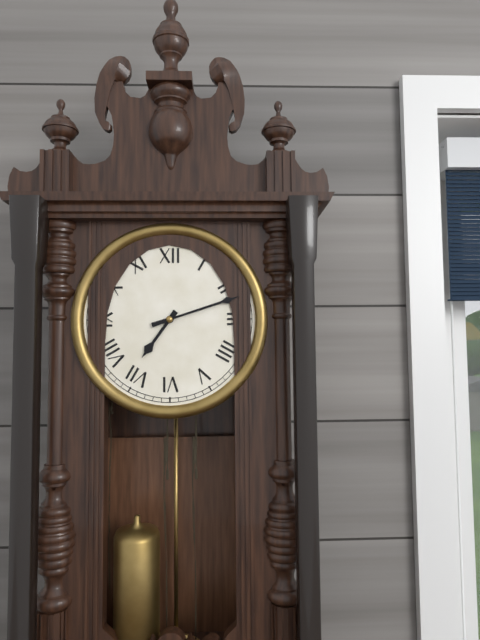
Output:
7 h 12 min
